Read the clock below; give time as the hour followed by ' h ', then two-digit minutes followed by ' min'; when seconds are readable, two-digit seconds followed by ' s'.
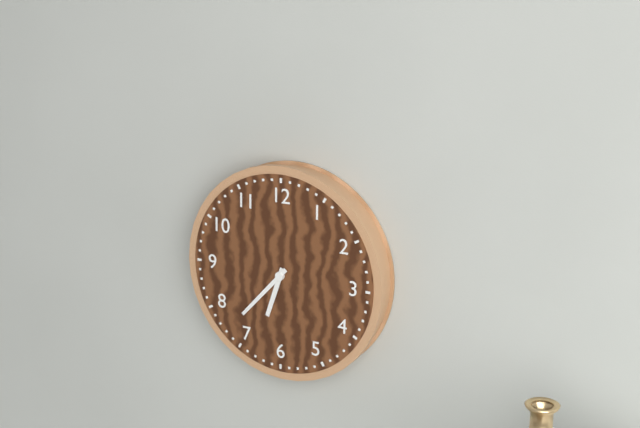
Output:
6 h 37 min
